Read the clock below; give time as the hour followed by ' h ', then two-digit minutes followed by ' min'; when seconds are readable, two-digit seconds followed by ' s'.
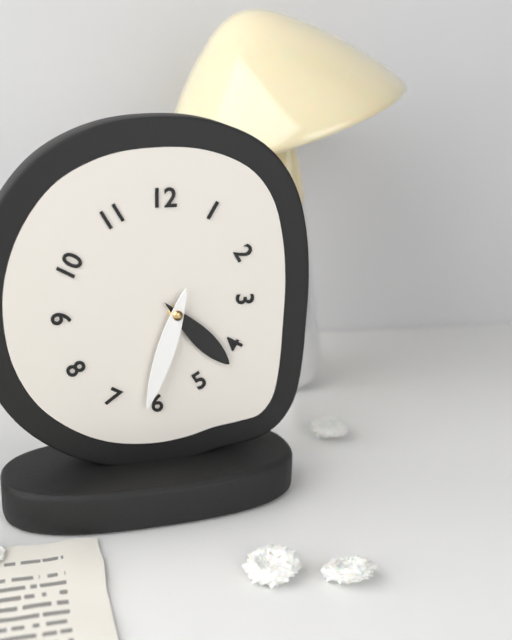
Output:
4 h 33 min
